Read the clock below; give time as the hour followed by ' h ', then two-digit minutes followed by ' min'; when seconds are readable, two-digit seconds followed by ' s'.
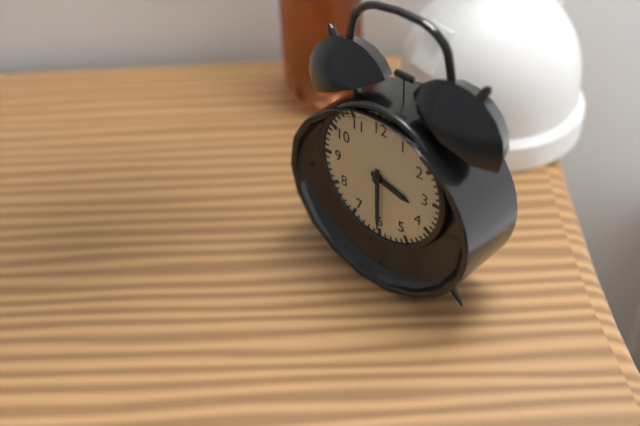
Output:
3 h 30 min
